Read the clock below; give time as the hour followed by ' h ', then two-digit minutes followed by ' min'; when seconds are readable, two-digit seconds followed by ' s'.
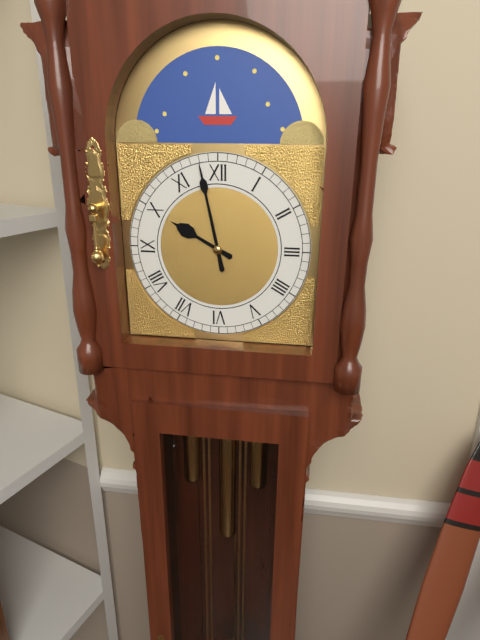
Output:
9 h 58 min
